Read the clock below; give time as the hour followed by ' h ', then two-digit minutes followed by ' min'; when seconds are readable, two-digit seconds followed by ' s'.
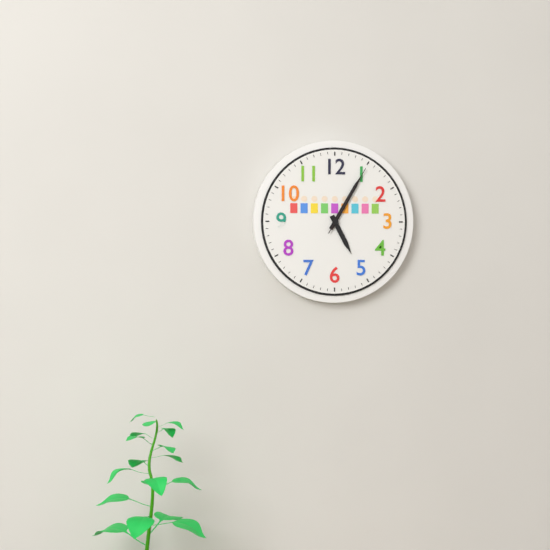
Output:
5 h 05 min 05 s
